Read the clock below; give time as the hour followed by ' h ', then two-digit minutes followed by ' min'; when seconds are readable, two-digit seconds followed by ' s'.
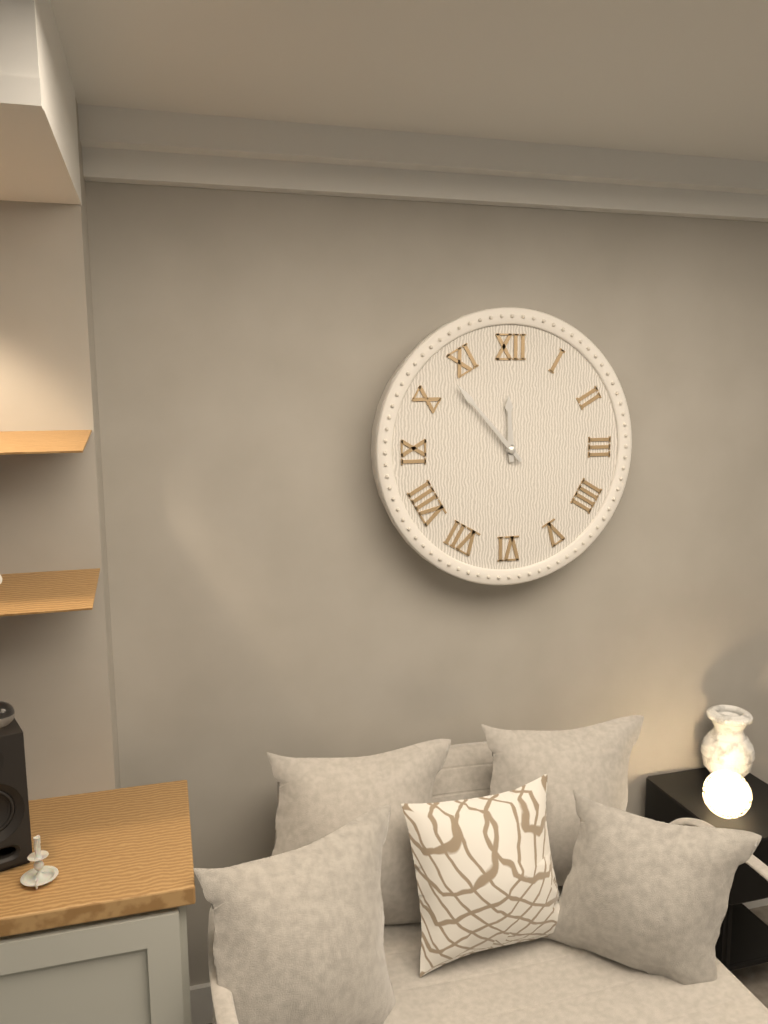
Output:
11 h 53 min
